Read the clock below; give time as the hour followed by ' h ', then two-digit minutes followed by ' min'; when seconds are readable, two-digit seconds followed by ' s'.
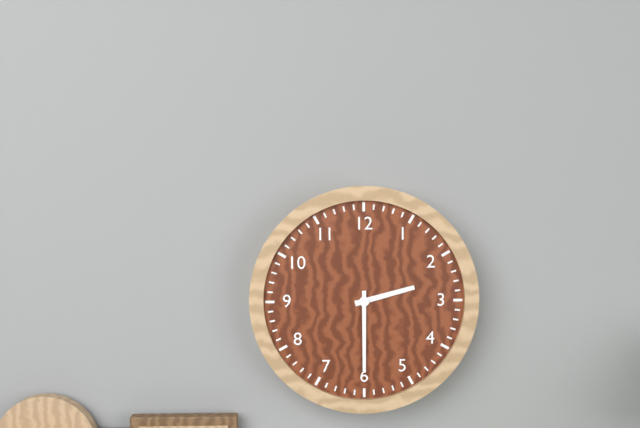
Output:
2 h 30 min
